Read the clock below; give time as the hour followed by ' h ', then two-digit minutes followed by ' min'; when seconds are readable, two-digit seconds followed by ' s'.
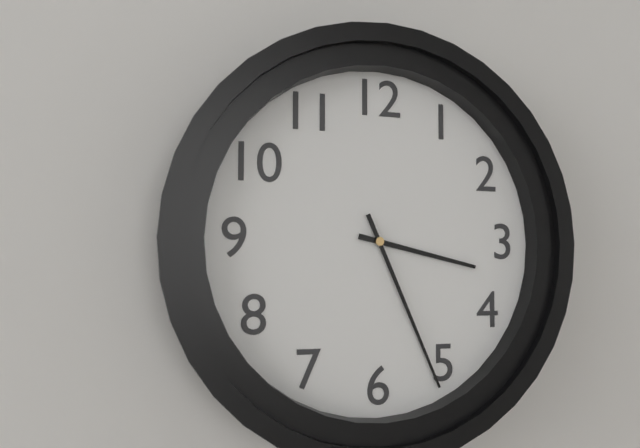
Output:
3 h 26 min
